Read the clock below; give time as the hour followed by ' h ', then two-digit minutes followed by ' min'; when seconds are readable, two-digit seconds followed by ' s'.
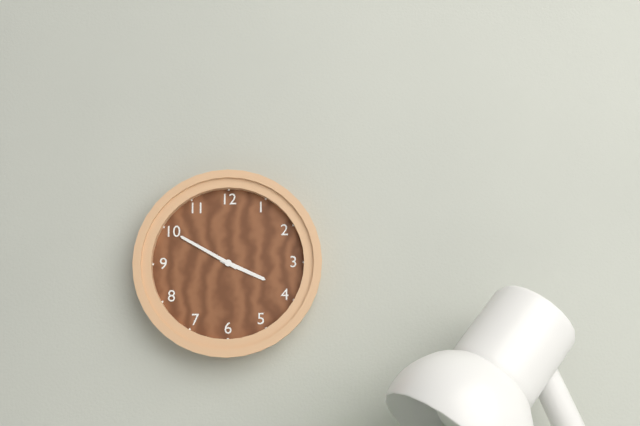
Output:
3 h 50 min
